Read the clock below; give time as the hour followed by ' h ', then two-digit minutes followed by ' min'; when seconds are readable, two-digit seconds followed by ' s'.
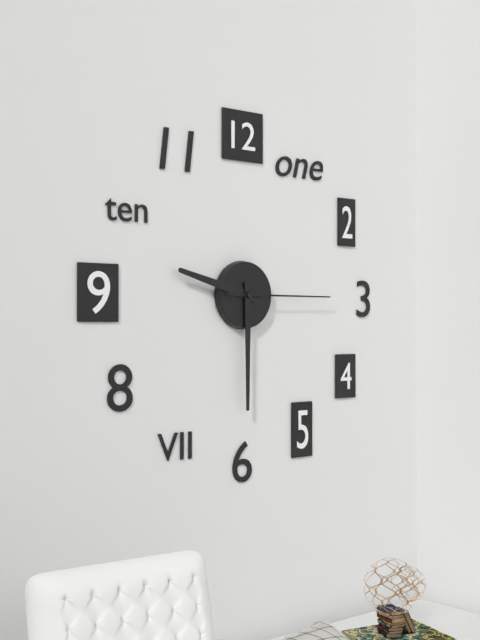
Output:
9 h 30 min 15 s
